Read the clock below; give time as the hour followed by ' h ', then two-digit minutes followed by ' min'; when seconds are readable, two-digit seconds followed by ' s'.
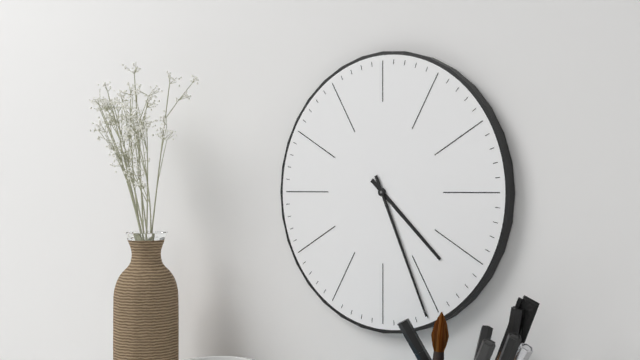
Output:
4 h 26 min
